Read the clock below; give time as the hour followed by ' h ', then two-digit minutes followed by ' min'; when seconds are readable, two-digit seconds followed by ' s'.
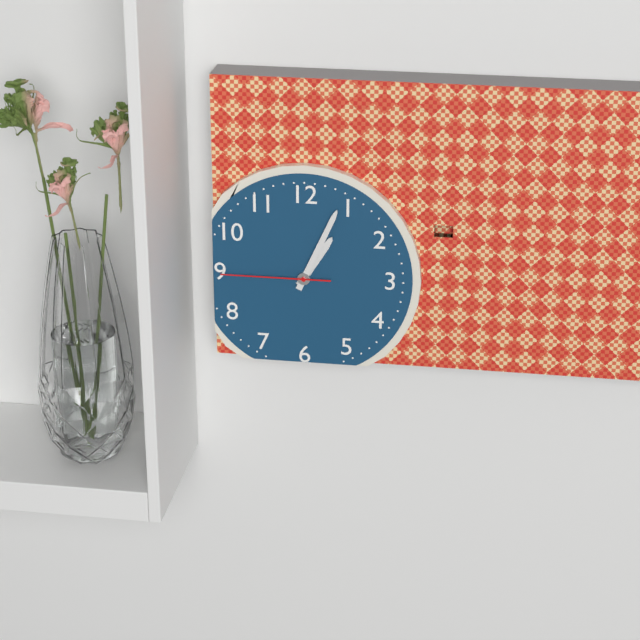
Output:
1 h 04 min 45 s
